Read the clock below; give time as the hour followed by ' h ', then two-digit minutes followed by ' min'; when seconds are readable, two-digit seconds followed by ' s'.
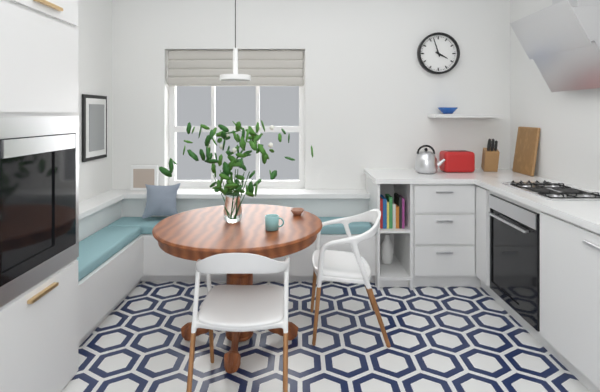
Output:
3 h 57 min
